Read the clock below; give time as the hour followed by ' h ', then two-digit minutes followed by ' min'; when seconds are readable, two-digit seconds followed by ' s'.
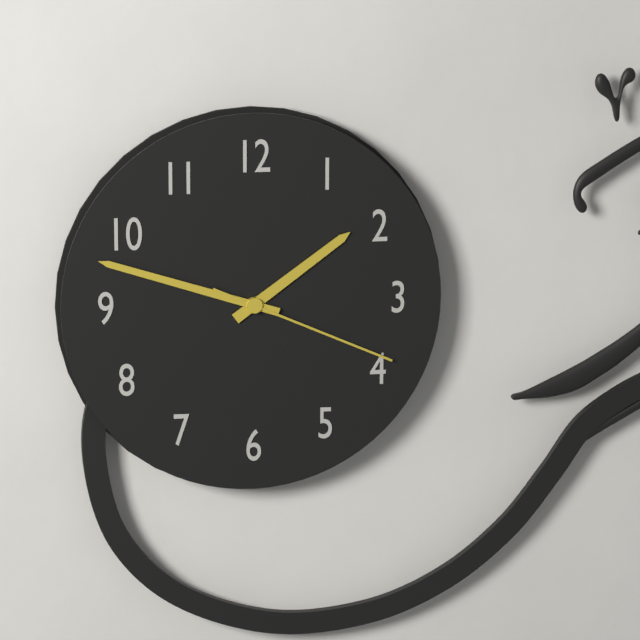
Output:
1 h 48 min 19 s
